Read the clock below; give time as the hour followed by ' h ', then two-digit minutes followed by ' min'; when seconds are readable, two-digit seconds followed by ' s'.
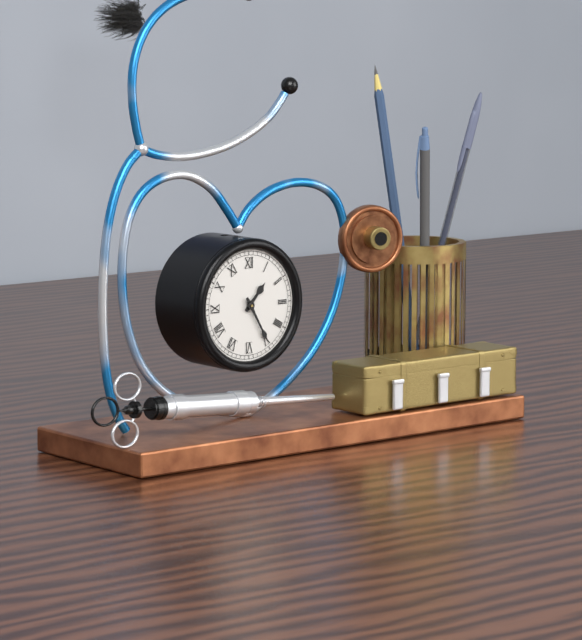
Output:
1 h 25 min
